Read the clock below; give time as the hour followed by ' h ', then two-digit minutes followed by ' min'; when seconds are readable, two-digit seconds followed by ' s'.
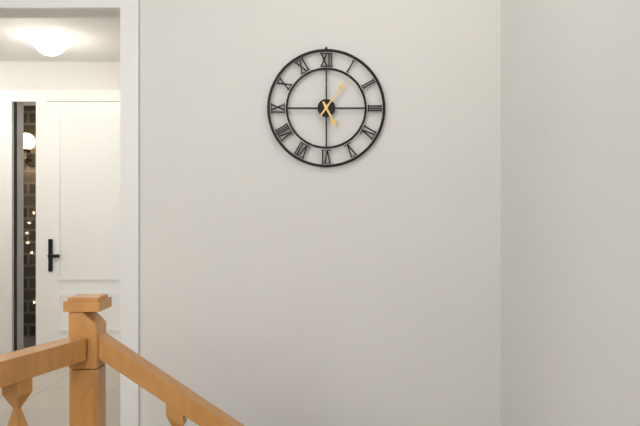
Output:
5 h 06 min
